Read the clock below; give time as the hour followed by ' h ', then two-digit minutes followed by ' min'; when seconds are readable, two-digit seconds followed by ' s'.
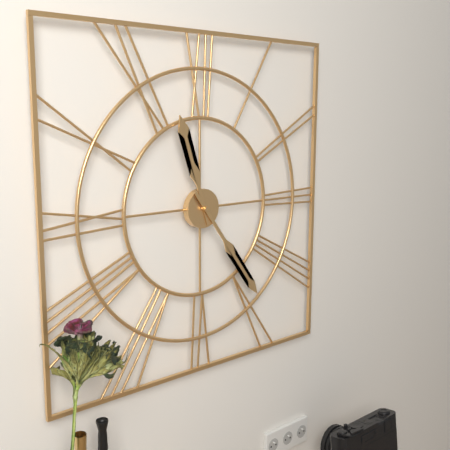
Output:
11 h 24 min
